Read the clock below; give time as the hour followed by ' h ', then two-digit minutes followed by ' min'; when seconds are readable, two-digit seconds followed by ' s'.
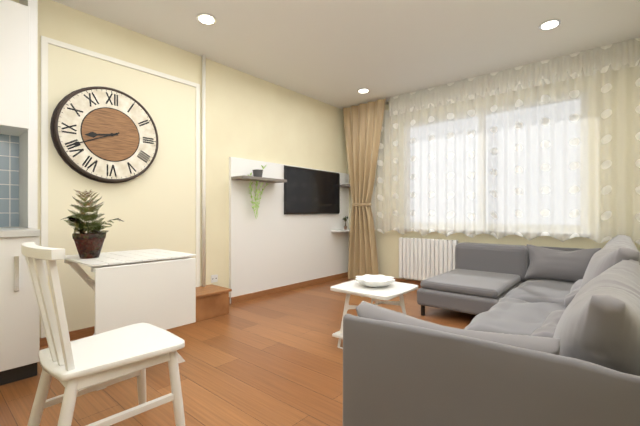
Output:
8 h 41 min
